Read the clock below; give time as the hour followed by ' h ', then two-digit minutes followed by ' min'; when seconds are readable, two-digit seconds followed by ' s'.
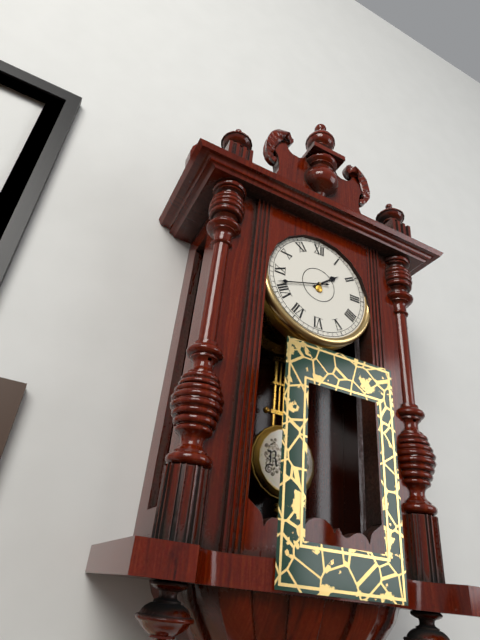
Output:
1 h 42 min
